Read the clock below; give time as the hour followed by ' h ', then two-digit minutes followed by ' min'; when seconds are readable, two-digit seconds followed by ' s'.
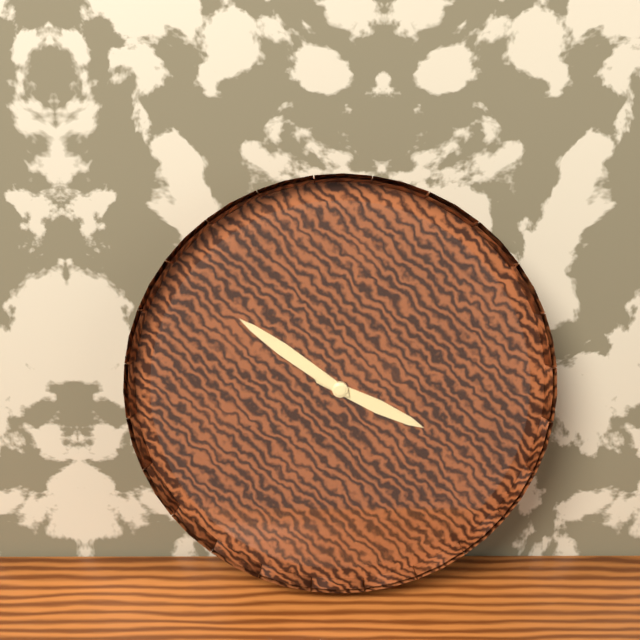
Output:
3 h 51 min
